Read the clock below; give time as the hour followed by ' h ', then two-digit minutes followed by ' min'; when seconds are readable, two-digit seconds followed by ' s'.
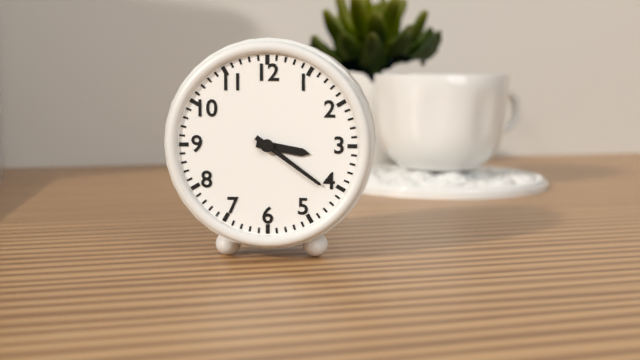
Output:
3 h 21 min
